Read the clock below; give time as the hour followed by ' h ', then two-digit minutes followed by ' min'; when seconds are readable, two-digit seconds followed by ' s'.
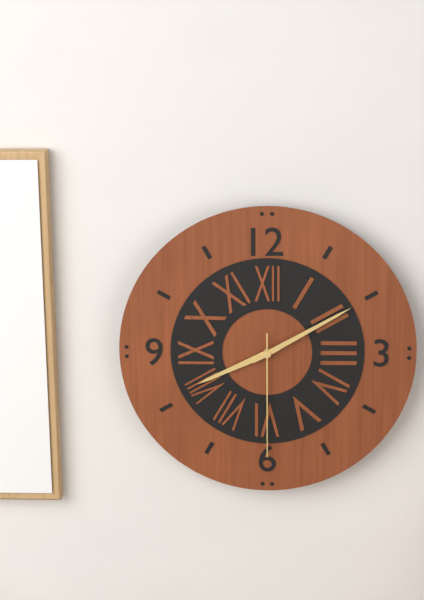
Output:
8 h 10 min 30 s
